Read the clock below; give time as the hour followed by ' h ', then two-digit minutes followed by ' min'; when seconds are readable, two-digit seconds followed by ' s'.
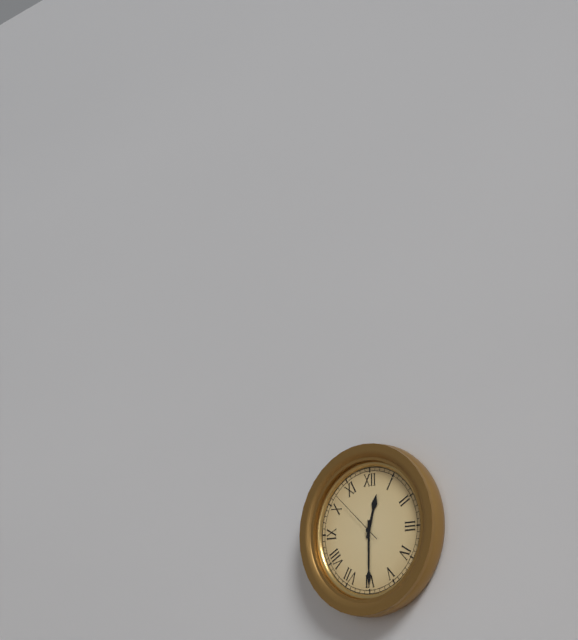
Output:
12 h 30 min 52 s
